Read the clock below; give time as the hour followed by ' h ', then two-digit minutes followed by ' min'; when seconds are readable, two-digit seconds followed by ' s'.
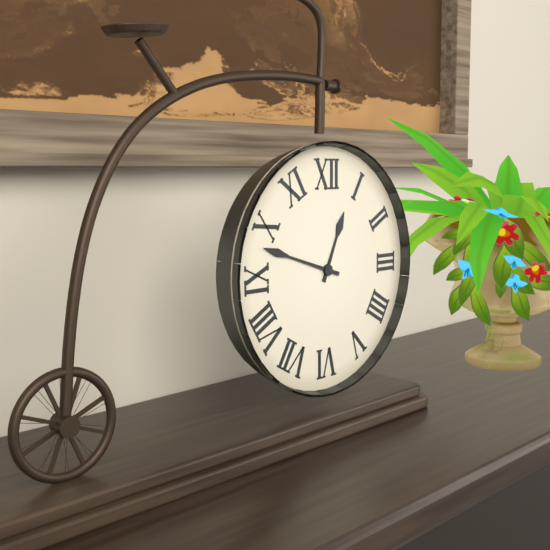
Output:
12 h 48 min
